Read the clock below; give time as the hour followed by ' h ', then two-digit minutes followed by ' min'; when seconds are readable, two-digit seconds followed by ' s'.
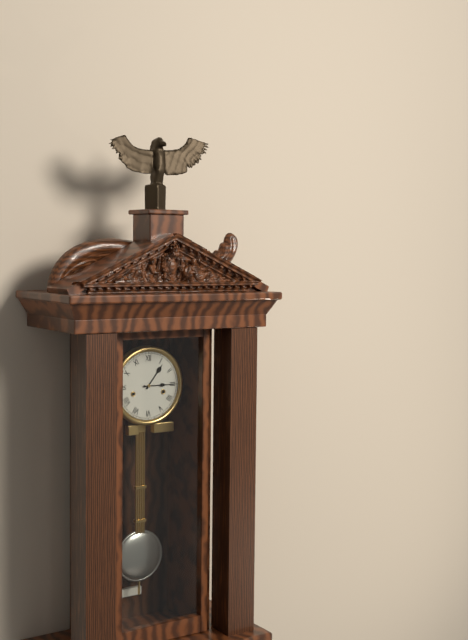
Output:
1 h 15 min
